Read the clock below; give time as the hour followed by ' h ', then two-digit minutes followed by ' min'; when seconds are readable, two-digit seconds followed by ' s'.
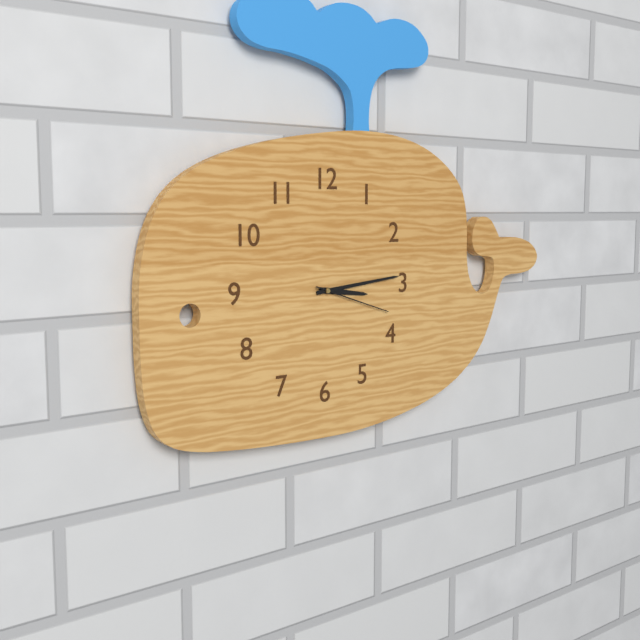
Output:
3 h 14 min 18 s
